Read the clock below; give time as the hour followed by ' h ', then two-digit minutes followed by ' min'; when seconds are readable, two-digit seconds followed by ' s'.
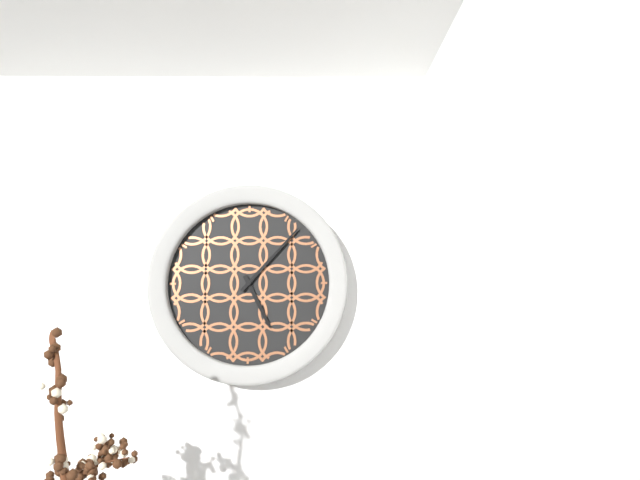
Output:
5 h 07 min
